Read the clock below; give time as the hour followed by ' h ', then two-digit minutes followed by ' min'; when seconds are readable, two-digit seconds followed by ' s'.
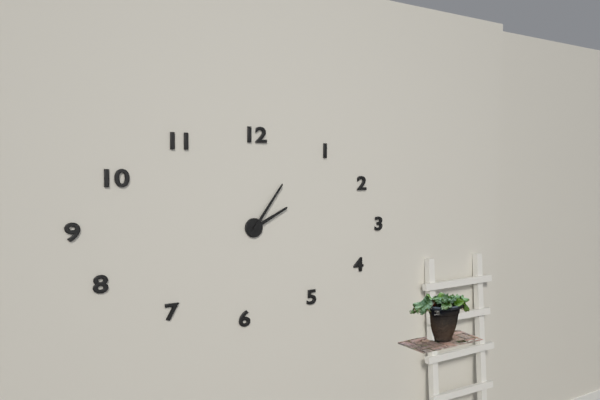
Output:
2 h 06 min
